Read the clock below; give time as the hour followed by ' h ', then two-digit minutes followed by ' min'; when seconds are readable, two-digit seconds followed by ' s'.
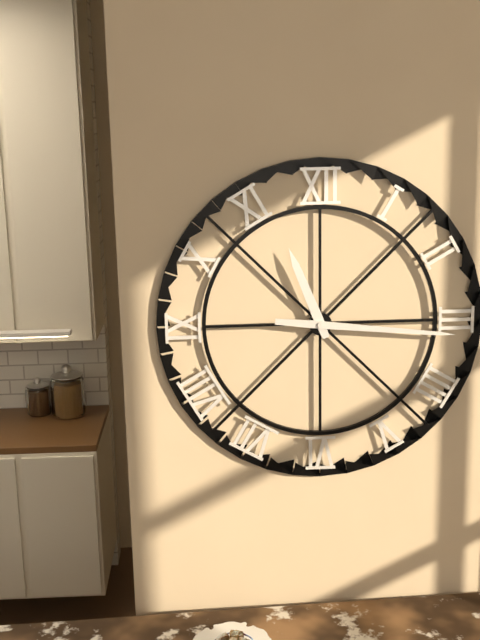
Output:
11 h 16 min
